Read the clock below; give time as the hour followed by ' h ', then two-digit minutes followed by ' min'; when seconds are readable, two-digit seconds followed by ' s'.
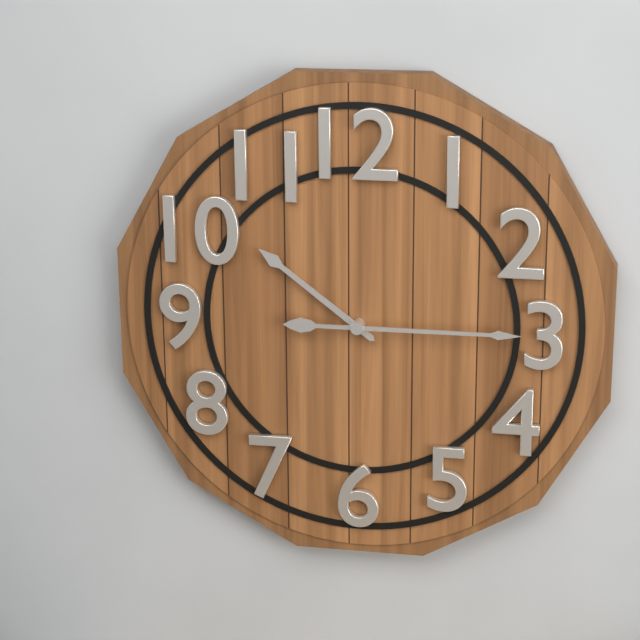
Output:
10 h 15 min
